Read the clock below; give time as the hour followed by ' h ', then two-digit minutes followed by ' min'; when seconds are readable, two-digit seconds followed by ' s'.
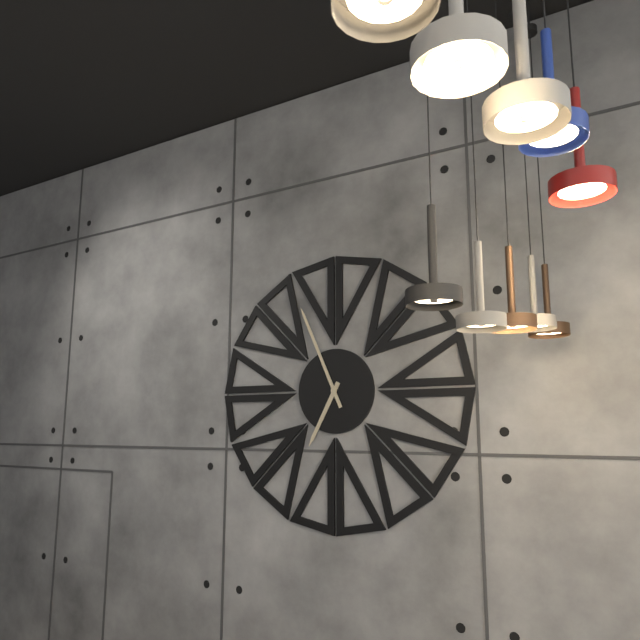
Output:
6 h 56 min
